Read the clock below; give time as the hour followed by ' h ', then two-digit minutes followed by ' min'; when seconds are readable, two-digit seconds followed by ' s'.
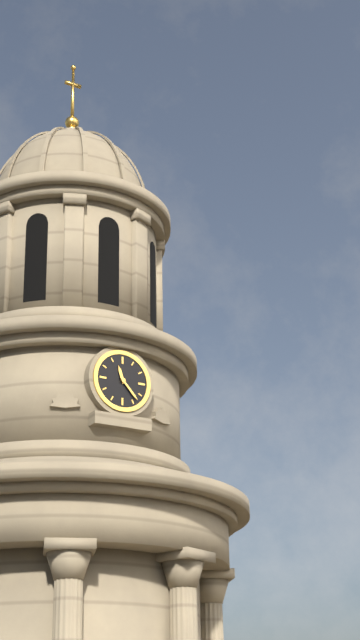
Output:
11 h 23 min
